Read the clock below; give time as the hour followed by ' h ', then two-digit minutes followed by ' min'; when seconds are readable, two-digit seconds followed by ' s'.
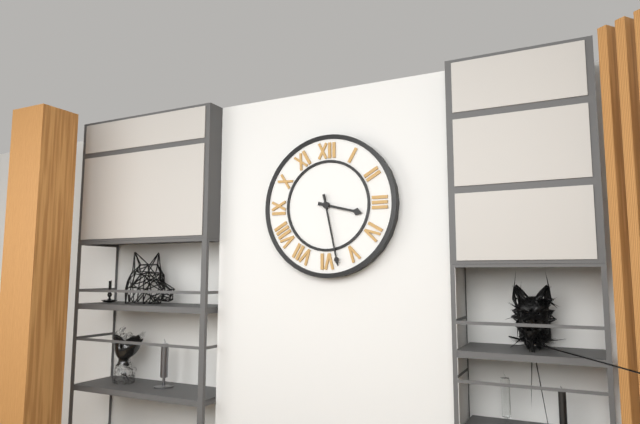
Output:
3 h 28 min
